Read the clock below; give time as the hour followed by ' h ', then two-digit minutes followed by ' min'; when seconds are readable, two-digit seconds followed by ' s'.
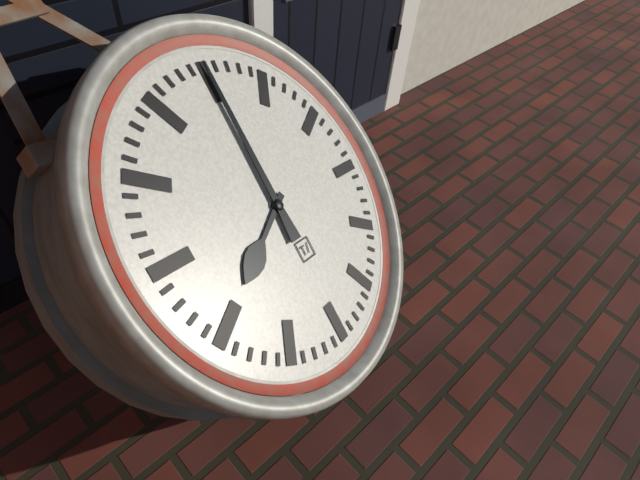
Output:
8 h 00 min
